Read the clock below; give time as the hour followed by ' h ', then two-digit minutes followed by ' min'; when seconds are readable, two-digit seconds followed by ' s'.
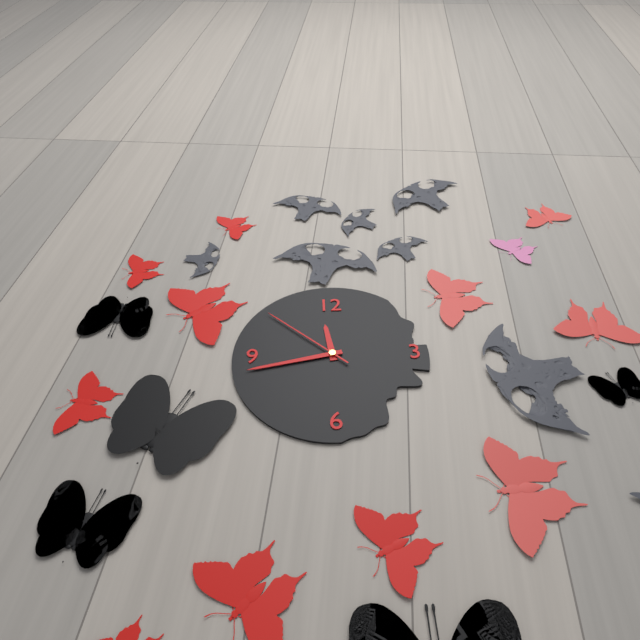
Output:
11 h 43 min 52 s
